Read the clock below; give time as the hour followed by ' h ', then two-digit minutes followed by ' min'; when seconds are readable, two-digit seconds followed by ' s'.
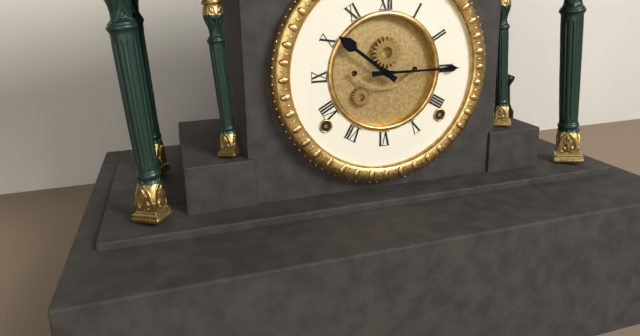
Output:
10 h 15 min
